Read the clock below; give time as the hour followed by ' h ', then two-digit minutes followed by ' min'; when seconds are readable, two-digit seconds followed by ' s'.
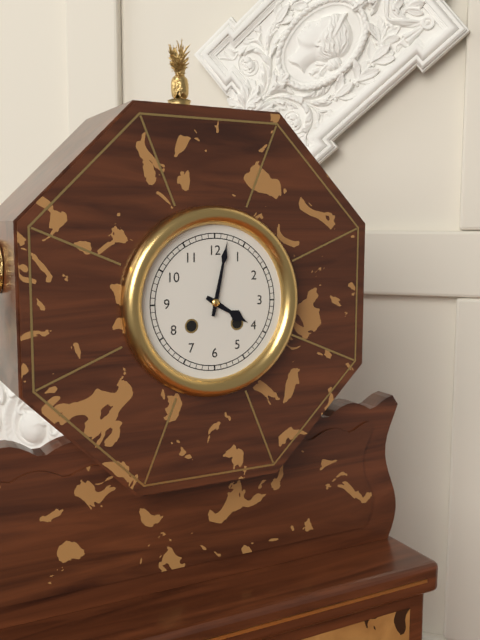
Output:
4 h 02 min
